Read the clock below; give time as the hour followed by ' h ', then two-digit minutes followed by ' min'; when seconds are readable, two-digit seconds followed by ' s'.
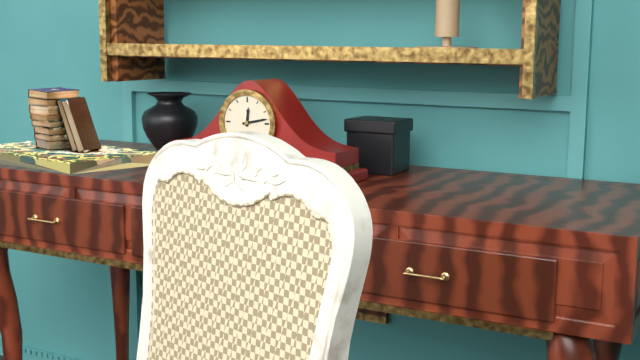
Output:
12 h 13 min
